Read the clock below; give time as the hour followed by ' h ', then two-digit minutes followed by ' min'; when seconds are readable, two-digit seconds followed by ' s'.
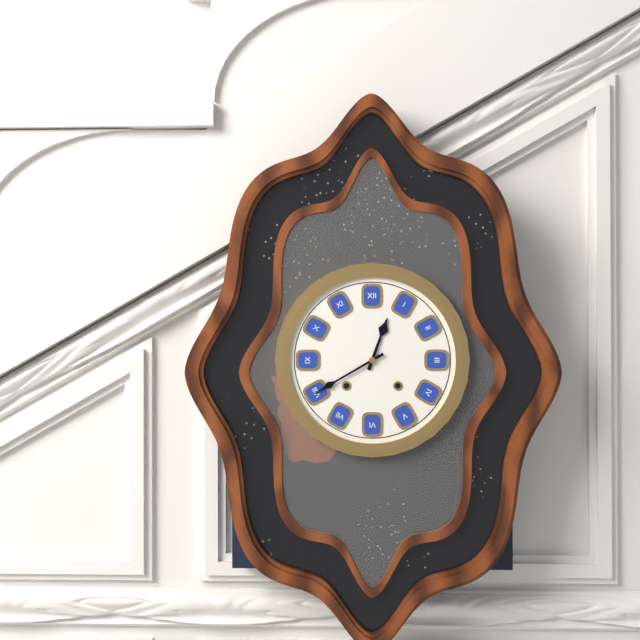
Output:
12 h 40 min
